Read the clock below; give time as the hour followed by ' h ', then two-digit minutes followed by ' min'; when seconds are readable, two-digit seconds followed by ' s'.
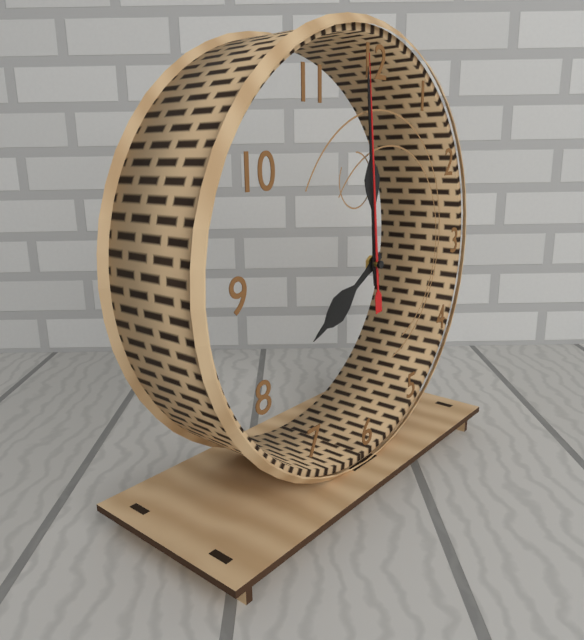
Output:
7 h 59 min 59 s
